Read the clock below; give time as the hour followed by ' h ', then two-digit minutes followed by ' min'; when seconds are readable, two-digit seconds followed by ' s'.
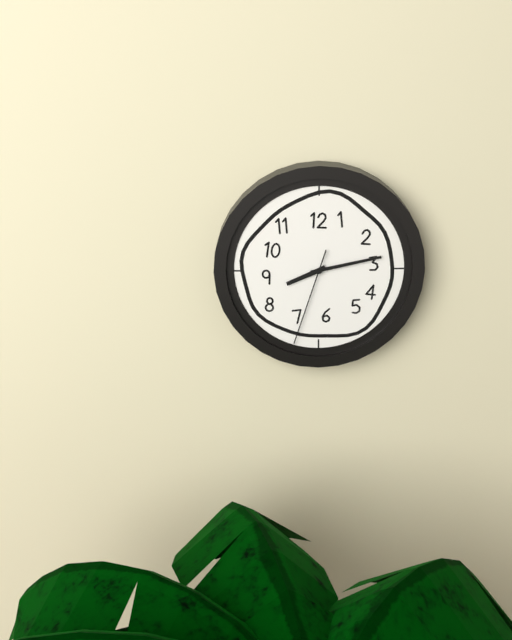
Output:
8 h 13 min 33 s
